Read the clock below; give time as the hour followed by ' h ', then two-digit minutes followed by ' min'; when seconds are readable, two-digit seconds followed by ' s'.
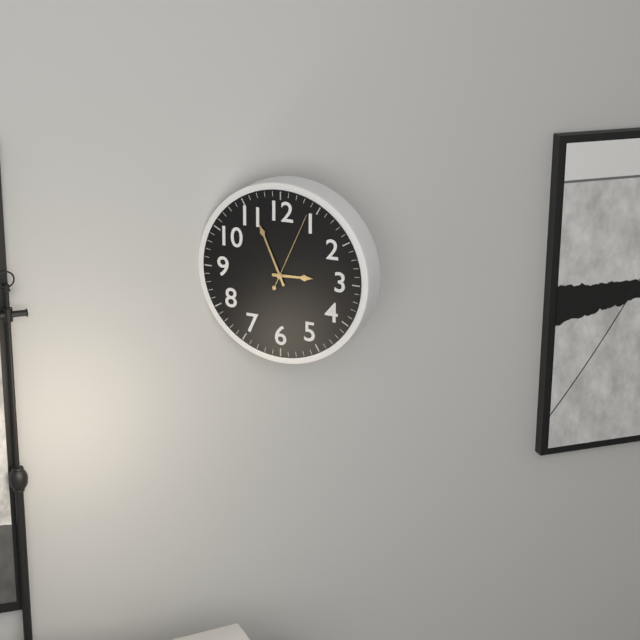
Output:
2 h 56 min 04 s
